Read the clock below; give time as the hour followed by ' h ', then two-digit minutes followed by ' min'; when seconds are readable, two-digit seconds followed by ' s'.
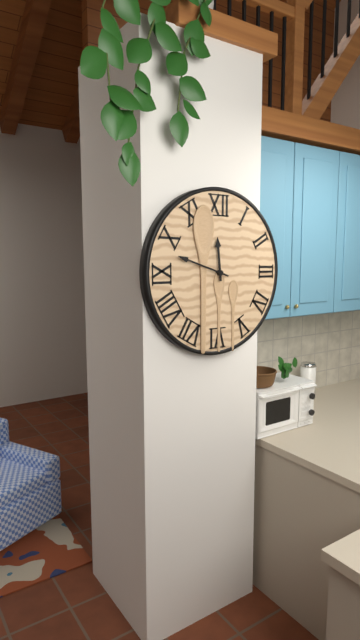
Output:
11 h 48 min
